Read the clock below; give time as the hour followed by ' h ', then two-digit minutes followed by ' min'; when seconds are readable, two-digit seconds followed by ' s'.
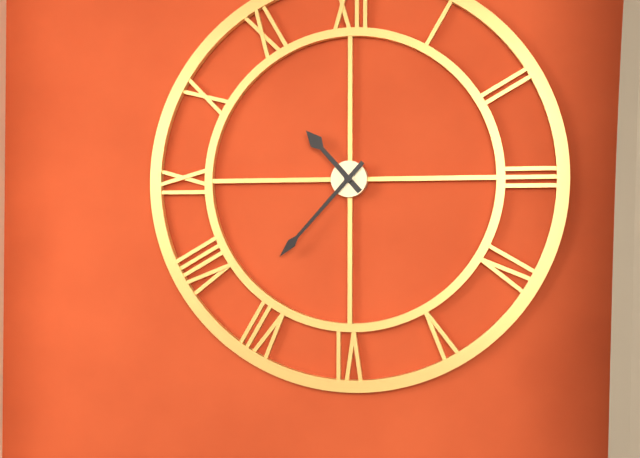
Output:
10 h 37 min
